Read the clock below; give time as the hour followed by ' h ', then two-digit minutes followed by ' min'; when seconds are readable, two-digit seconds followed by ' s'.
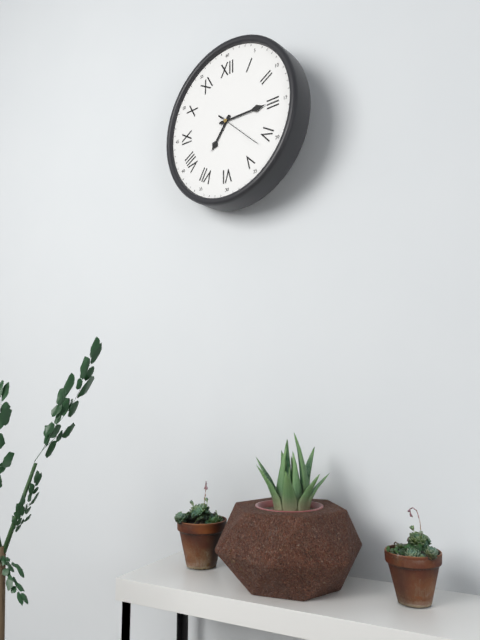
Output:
7 h 15 min
